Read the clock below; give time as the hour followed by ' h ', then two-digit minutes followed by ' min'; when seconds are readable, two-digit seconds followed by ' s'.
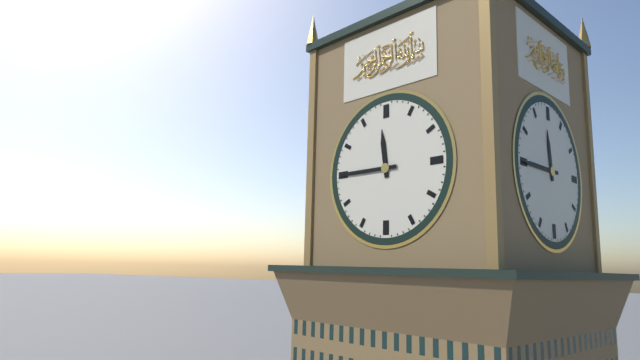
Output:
11 h 45 min
